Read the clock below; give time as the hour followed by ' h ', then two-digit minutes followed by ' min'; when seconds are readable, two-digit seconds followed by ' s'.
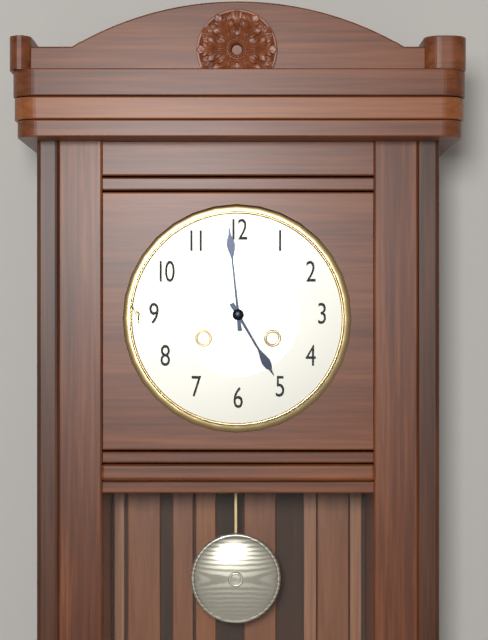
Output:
4 h 59 min
